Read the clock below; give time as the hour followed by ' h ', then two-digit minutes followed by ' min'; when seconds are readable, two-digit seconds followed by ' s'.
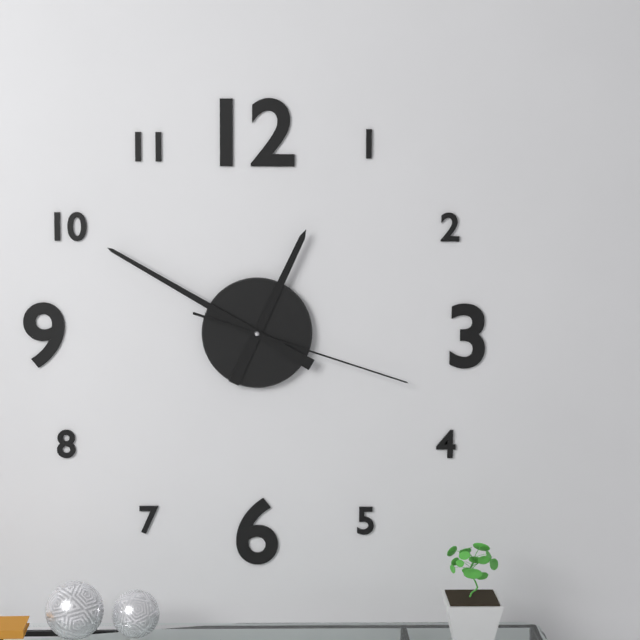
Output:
12 h 50 min 18 s
